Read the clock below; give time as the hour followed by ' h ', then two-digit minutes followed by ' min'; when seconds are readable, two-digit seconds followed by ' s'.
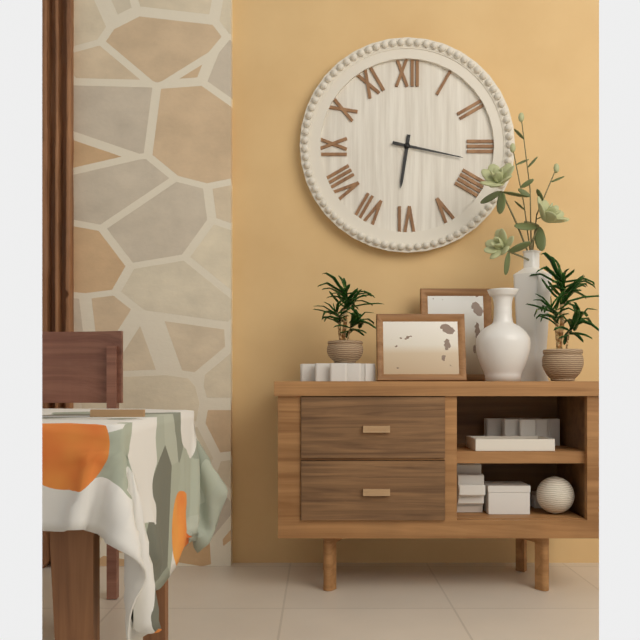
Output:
6 h 17 min
